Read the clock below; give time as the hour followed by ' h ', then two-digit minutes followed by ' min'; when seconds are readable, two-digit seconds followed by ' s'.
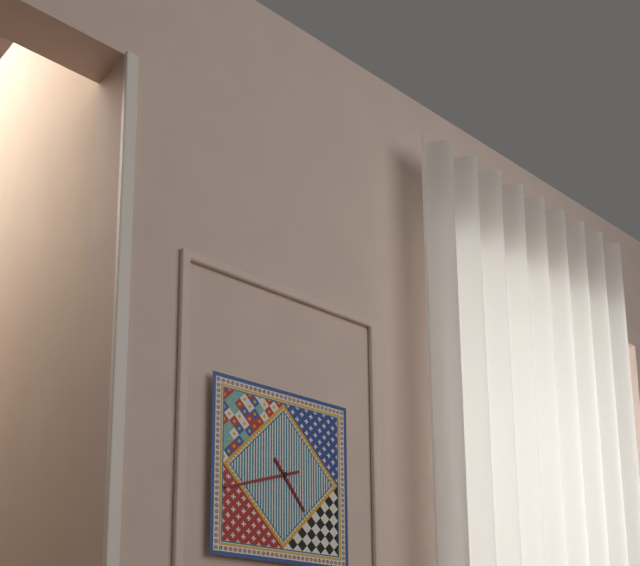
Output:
4 h 42 min
